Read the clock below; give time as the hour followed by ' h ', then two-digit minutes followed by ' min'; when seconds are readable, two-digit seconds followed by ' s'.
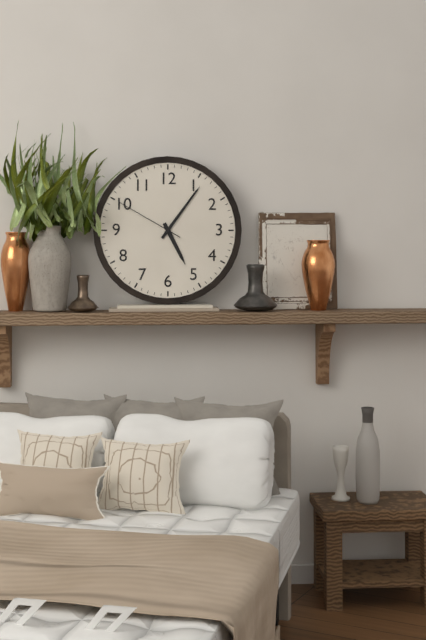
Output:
5 h 06 min 50 s
